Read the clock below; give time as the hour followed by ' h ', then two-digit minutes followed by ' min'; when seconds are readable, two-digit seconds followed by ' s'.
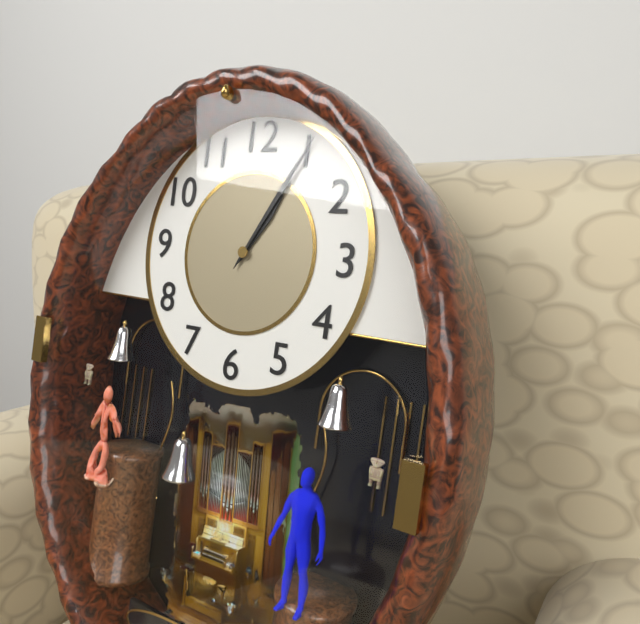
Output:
1 h 05 min
